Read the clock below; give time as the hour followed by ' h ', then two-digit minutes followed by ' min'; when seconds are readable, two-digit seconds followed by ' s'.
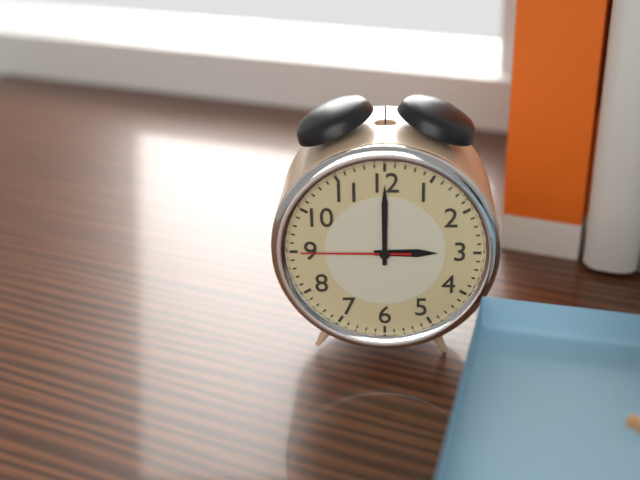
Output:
3 h 00 min 45 s
